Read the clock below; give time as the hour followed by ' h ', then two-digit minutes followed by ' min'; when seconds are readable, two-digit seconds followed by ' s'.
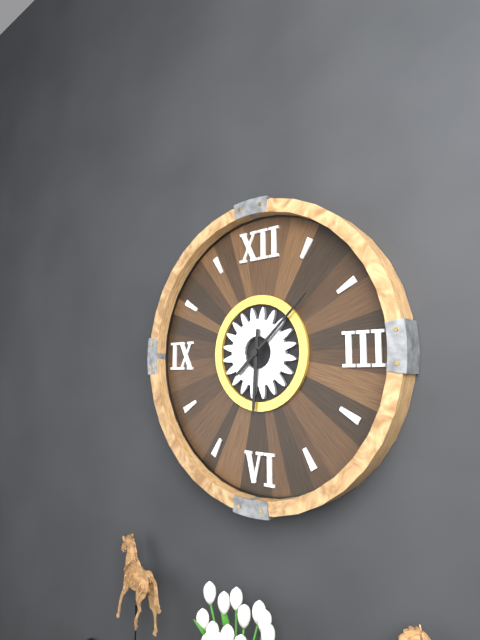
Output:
6 h 08 min
